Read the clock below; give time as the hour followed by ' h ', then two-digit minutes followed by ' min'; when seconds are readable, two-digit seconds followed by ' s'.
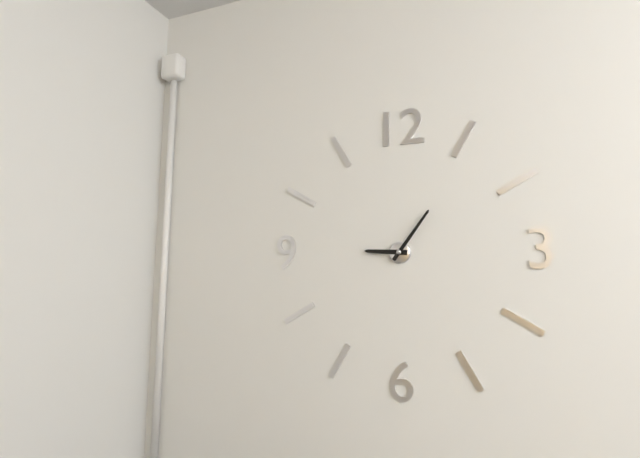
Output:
9 h 06 min
